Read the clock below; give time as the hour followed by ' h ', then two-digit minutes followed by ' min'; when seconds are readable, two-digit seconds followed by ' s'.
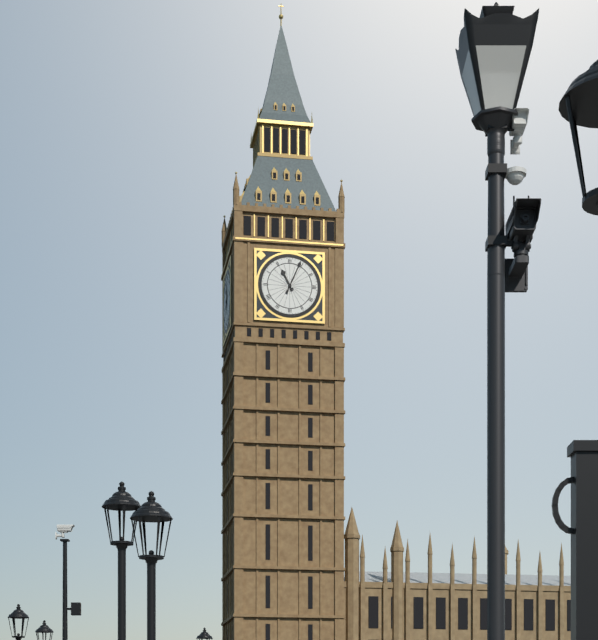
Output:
11 h 04 min
